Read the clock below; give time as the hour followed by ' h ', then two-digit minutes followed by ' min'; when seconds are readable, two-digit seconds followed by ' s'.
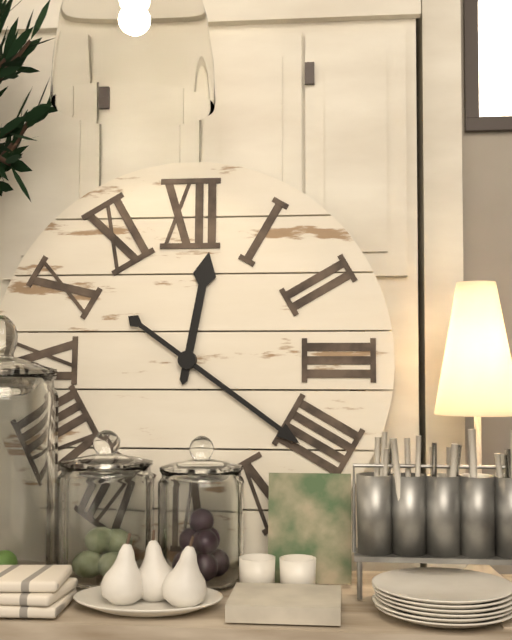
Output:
12 h 21 min
